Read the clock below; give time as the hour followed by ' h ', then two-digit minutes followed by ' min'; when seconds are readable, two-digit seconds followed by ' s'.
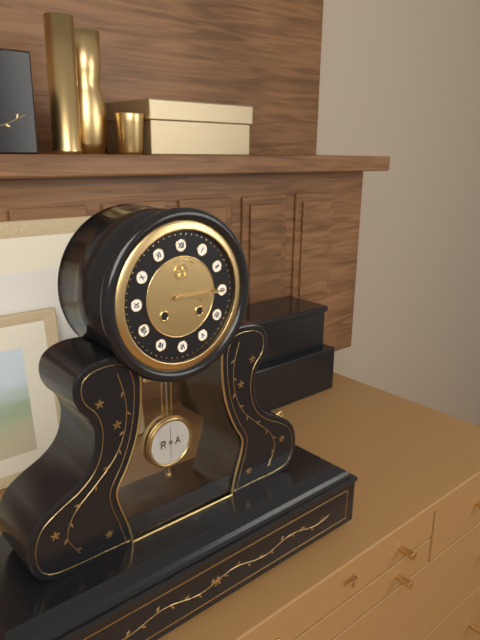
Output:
3 h 15 min
